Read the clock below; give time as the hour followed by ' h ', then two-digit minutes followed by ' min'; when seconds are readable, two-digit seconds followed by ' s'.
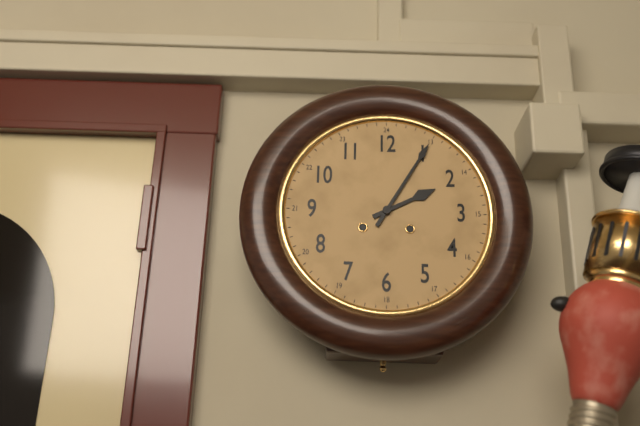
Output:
2 h 05 min
